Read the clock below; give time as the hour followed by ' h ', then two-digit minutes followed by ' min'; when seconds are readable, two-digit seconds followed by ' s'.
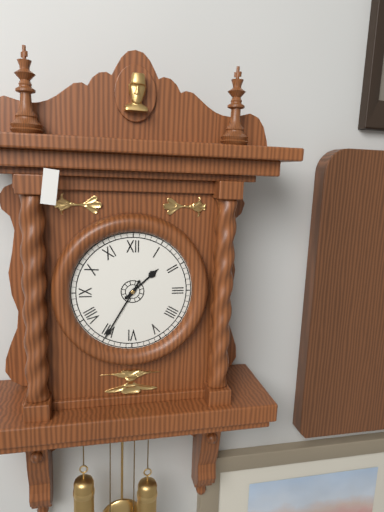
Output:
1 h 35 min
